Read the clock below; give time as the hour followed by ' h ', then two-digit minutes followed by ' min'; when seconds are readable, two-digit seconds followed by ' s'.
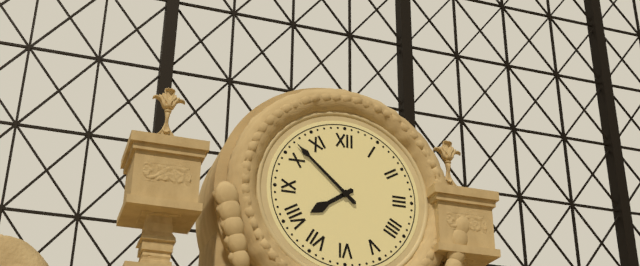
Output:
7 h 52 min
